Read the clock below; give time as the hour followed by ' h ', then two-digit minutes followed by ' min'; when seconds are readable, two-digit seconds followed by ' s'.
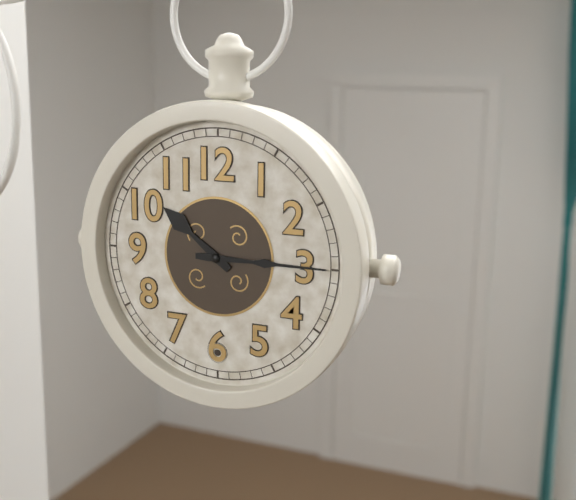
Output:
10 h 15 min
